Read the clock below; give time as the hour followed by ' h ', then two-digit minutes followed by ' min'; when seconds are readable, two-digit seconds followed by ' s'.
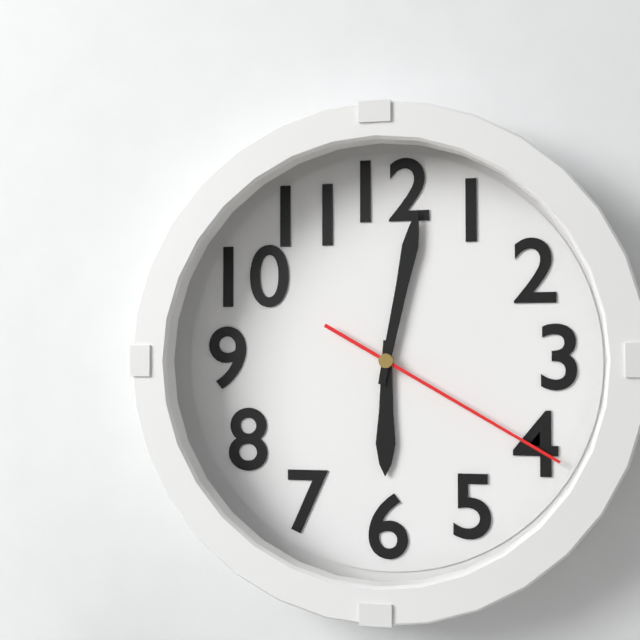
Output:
6 h 02 min 20 s
